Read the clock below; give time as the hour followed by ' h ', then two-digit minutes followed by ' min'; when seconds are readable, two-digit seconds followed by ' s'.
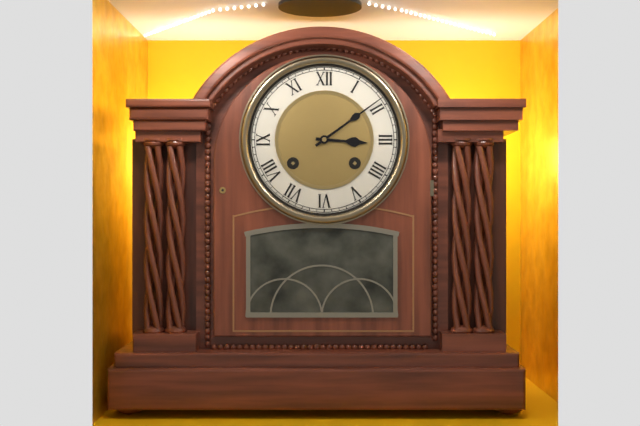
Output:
3 h 09 min
